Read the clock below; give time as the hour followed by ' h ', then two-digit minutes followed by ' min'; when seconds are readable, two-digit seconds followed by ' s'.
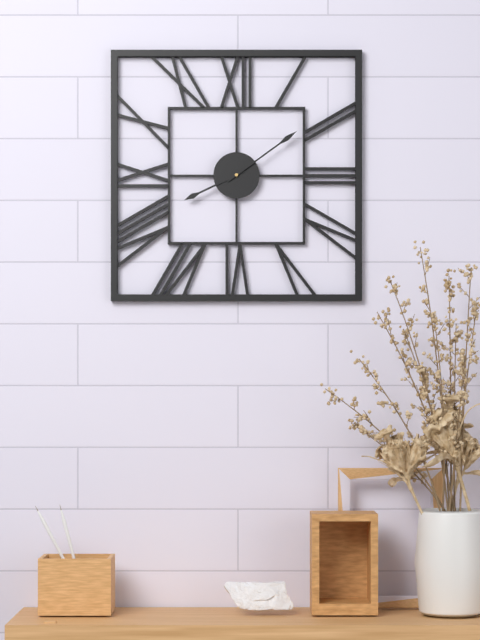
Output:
8 h 09 min
